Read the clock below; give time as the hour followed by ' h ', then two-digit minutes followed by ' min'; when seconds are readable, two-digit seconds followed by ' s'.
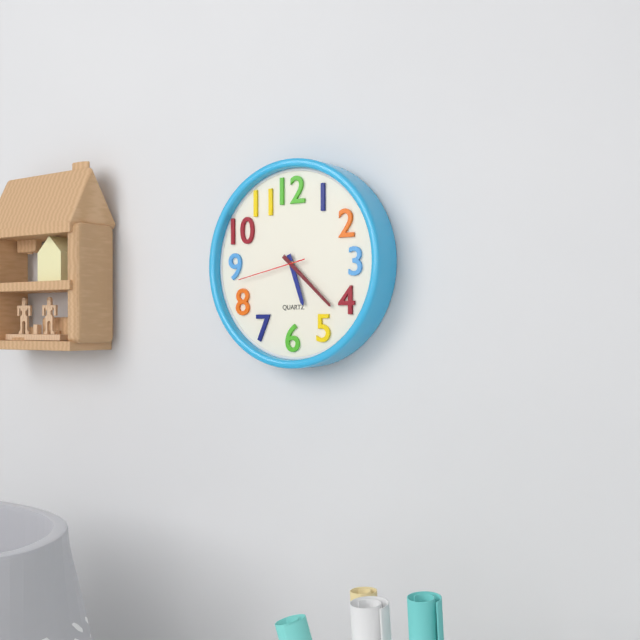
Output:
5 h 22 min 43 s
